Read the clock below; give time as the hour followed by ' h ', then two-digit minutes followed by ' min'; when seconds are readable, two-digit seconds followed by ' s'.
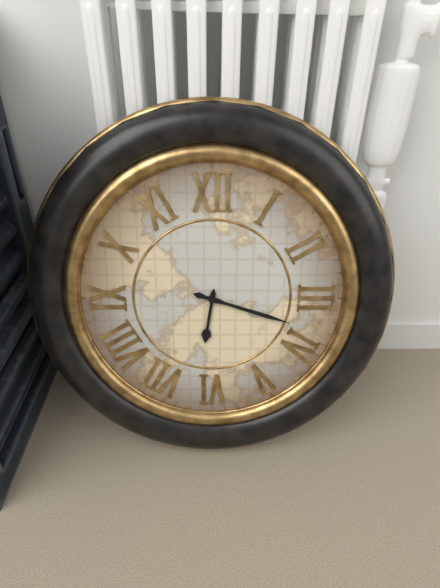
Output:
6 h 18 min
